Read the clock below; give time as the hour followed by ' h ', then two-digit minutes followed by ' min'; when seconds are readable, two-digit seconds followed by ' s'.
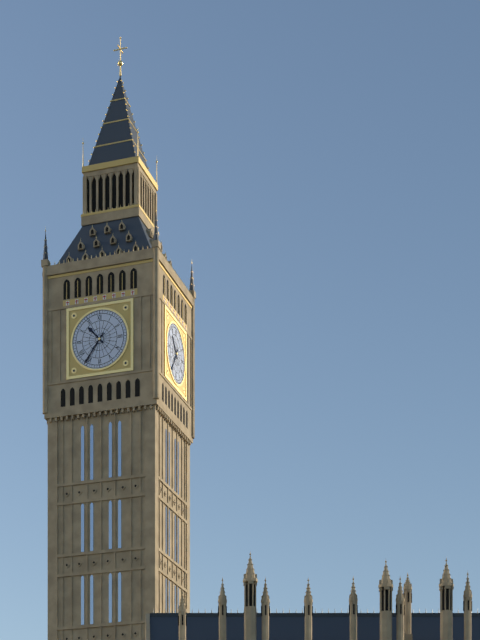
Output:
10 h 36 min
